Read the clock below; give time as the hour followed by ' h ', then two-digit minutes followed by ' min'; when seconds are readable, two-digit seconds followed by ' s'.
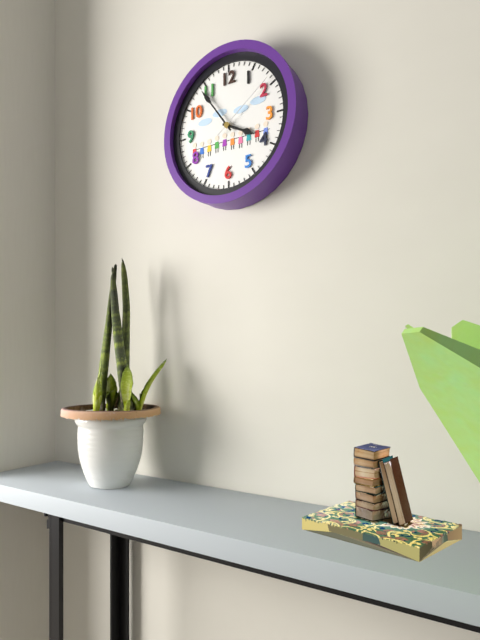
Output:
3 h 54 min 09 s
